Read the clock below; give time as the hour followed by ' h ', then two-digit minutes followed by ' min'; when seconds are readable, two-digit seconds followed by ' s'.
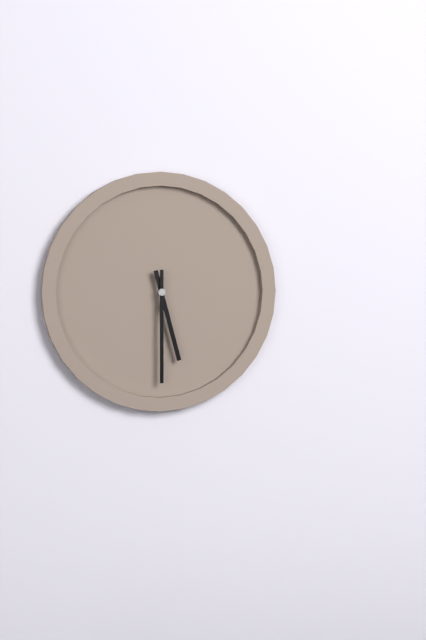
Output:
5 h 30 min
